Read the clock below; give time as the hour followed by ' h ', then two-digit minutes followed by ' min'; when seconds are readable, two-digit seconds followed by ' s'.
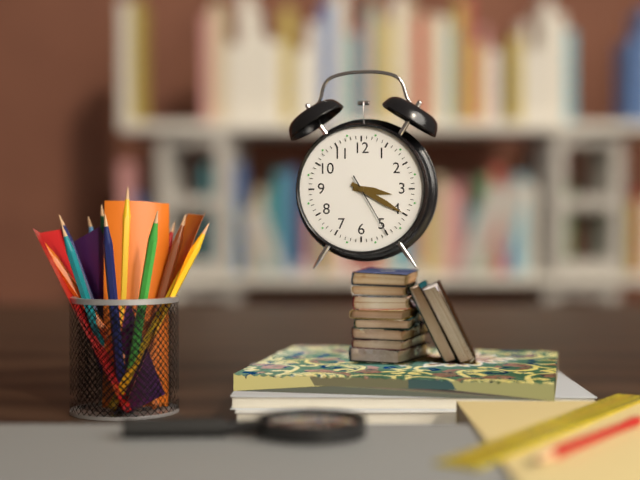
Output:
3 h 20 min 25 s
